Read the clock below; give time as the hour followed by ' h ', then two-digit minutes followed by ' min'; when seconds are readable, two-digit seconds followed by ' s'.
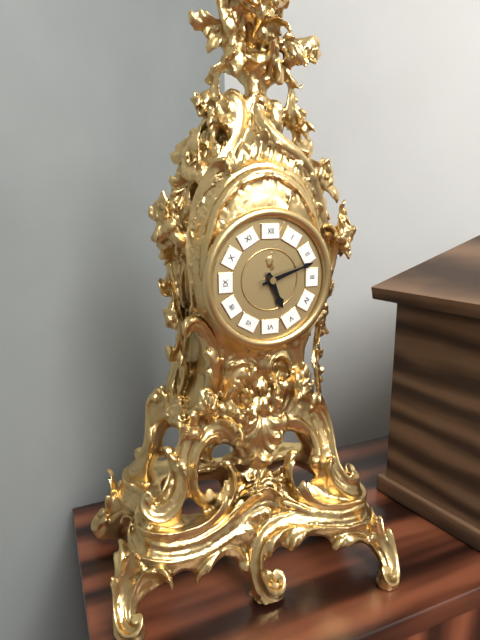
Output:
5 h 12 min
